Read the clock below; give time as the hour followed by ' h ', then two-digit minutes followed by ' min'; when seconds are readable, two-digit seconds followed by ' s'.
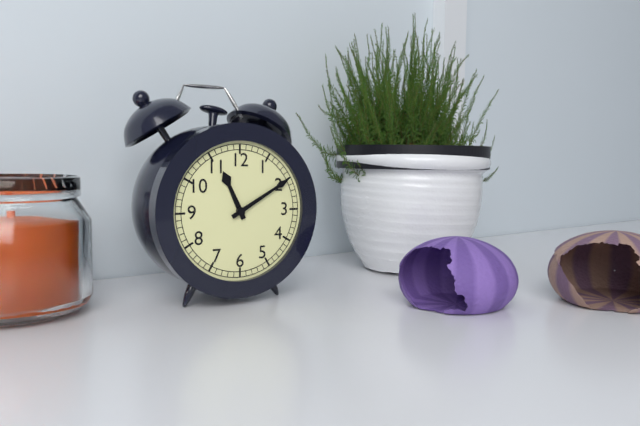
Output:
11 h 10 min
